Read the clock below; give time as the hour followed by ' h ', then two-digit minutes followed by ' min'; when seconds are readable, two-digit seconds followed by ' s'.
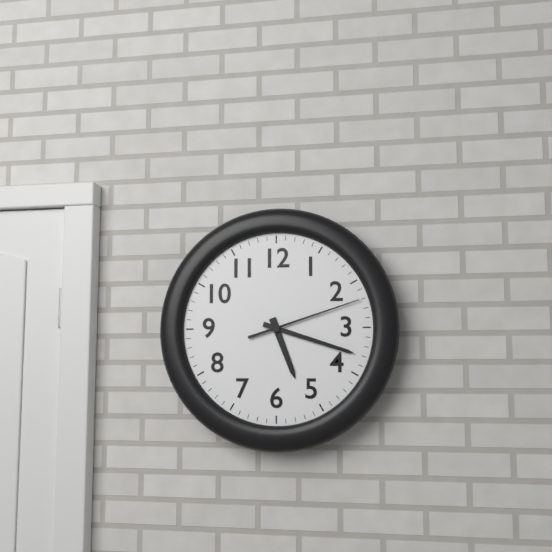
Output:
5 h 18 min 12 s
